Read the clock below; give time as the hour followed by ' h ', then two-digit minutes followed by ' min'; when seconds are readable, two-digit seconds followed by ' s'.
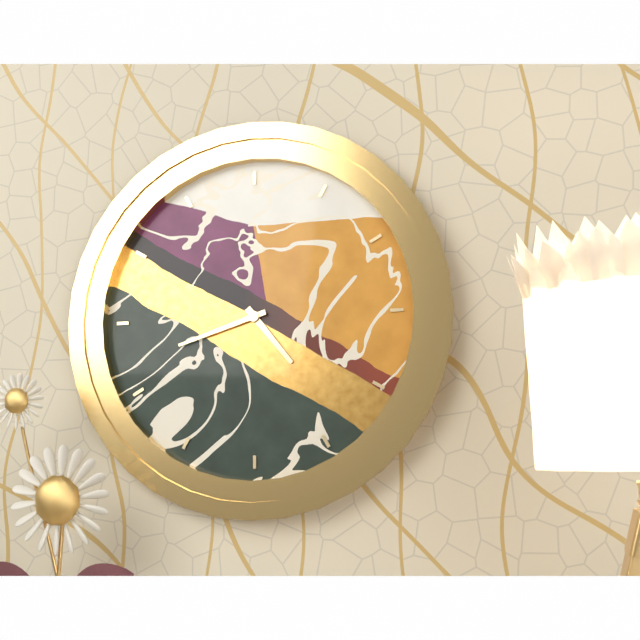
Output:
4 h 42 min
